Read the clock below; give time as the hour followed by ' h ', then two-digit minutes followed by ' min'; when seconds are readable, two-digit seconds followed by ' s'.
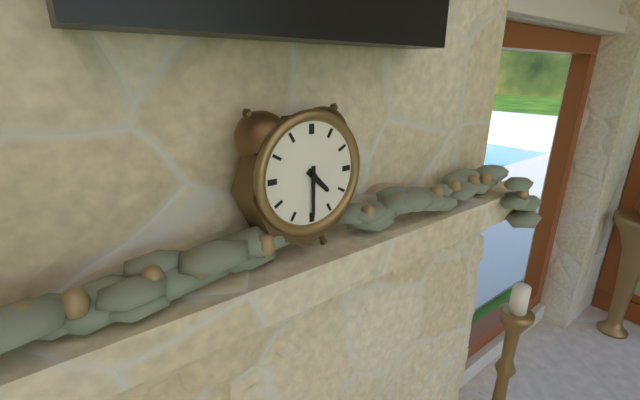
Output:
4 h 30 min
